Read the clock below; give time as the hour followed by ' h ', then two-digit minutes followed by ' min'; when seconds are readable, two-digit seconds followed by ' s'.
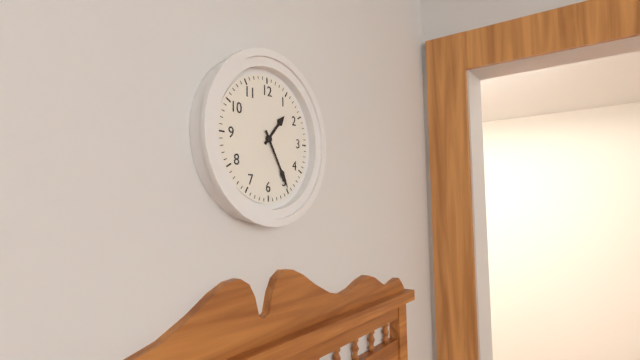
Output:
1 h 25 min
